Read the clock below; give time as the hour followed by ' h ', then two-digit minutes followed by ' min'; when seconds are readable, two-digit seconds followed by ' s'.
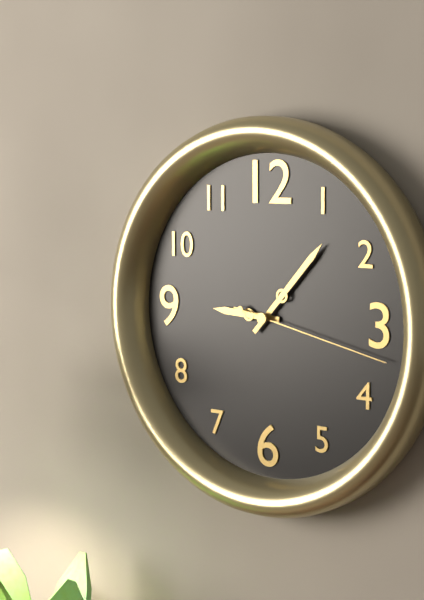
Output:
9 h 07 min 17 s
